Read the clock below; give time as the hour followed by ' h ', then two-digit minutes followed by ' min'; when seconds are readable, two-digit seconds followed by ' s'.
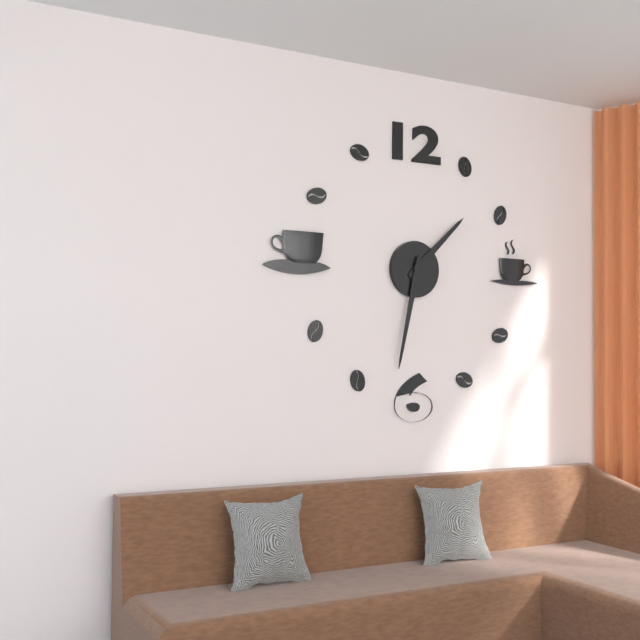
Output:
1 h 32 min
